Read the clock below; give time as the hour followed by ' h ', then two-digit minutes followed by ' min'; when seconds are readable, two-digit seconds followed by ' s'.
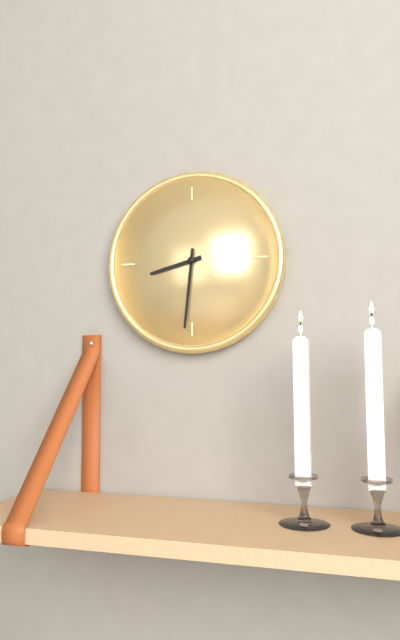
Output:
8 h 31 min
